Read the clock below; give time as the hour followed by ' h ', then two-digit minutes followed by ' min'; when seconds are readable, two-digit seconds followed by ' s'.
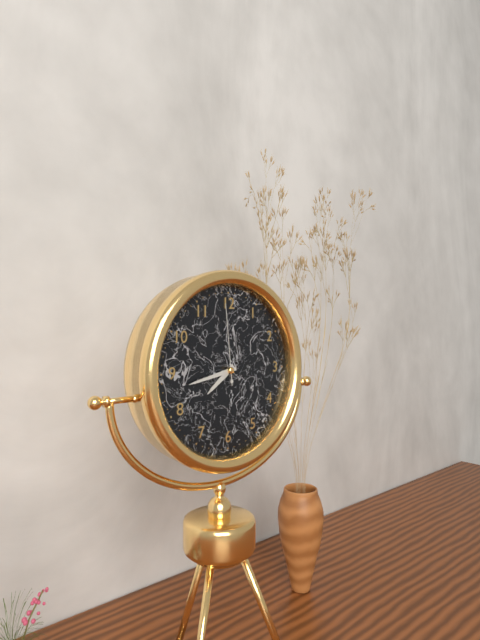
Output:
7 h 43 min 59 s
